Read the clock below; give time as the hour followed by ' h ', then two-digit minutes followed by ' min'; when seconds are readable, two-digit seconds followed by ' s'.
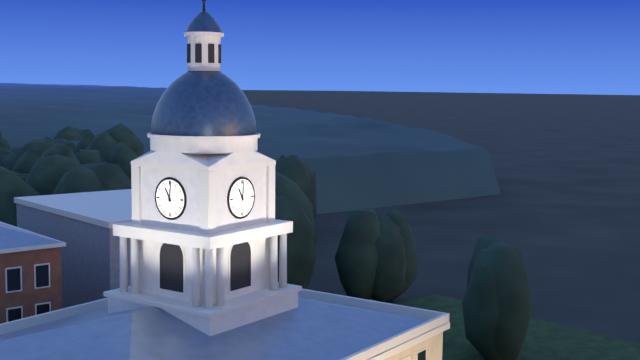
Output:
11 h 01 min
